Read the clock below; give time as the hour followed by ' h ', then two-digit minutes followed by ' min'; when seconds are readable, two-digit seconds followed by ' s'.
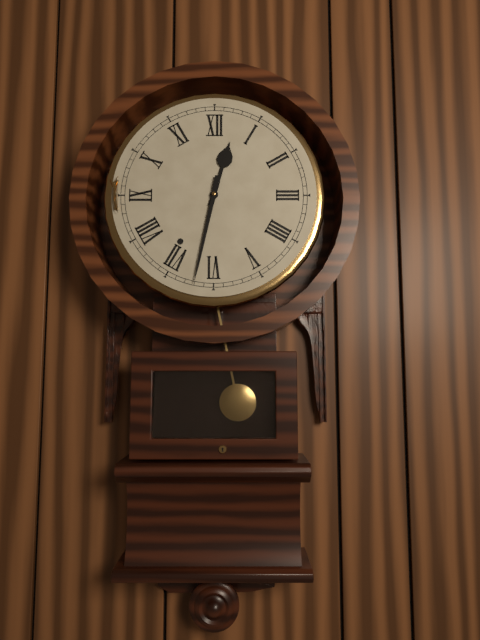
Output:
12 h 32 min
